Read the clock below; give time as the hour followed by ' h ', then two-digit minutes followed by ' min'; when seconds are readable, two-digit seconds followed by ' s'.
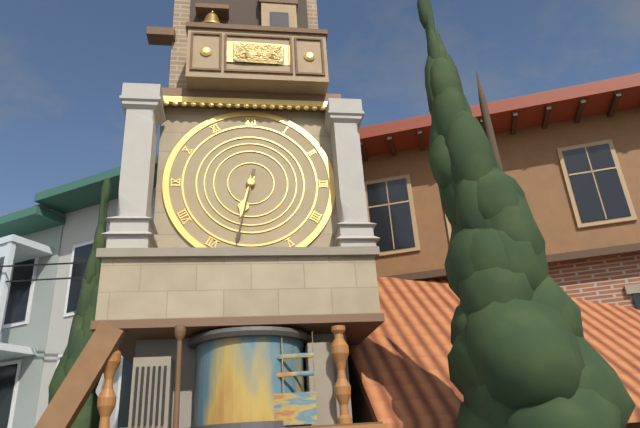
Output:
6 h 32 min
